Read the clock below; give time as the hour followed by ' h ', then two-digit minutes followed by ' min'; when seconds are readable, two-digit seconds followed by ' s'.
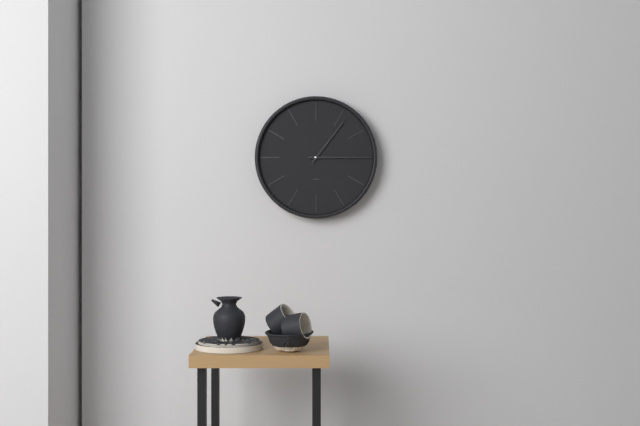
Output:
1 h 15 min
